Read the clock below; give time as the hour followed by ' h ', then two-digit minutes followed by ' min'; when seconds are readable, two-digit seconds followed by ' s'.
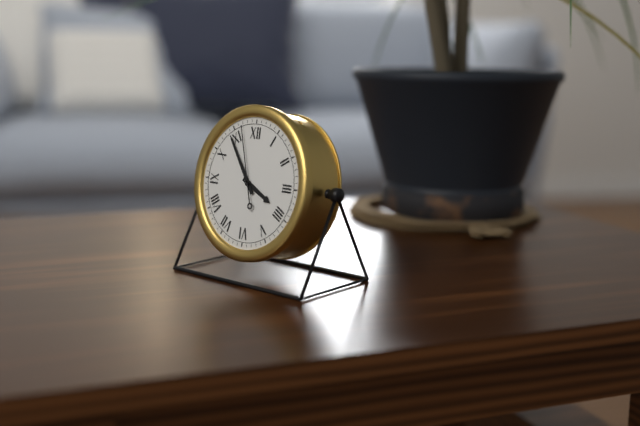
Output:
3 h 54 min 57 s
